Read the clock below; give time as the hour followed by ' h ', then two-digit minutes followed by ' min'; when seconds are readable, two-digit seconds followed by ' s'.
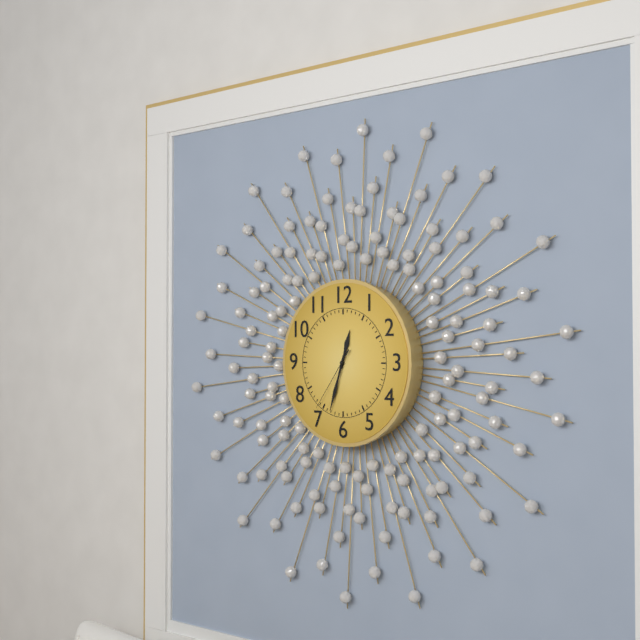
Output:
12 h 33 min 36 s
